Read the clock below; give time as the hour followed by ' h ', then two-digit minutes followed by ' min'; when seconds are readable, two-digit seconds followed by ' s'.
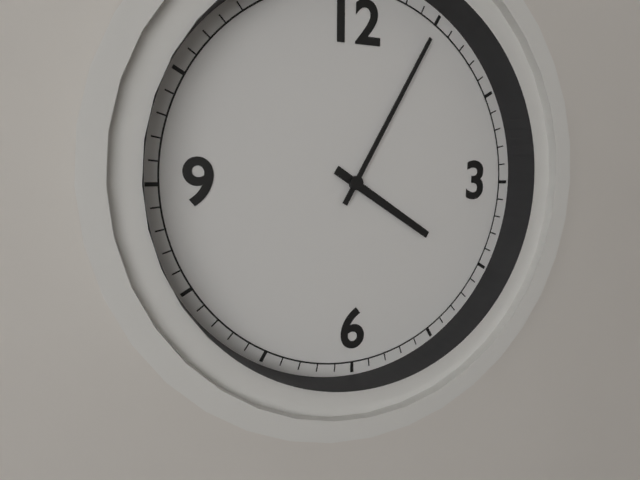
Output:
4 h 05 min
